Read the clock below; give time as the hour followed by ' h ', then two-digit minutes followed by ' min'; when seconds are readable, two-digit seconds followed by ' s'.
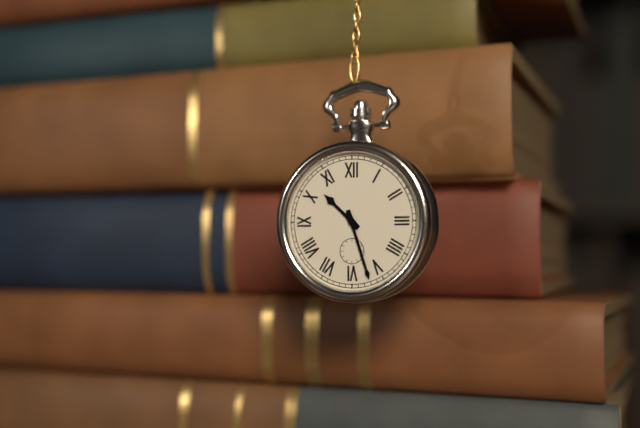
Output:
10 h 27 min
